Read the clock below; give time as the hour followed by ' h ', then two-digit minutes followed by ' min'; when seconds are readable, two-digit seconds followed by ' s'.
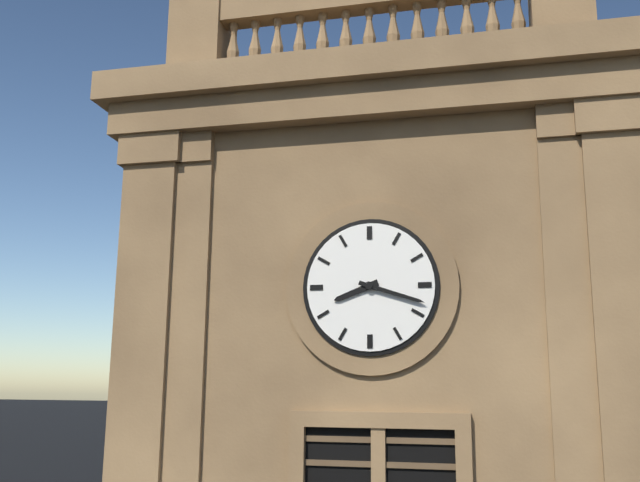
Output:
8 h 18 min
